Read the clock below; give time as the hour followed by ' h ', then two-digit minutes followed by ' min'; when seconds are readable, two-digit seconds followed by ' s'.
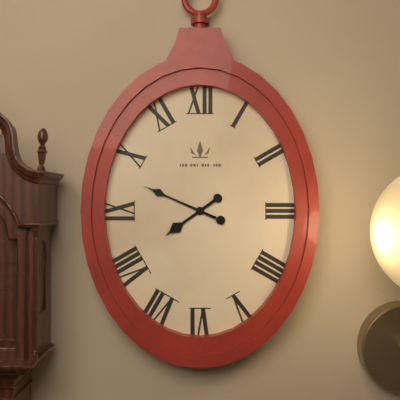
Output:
7 h 49 min
